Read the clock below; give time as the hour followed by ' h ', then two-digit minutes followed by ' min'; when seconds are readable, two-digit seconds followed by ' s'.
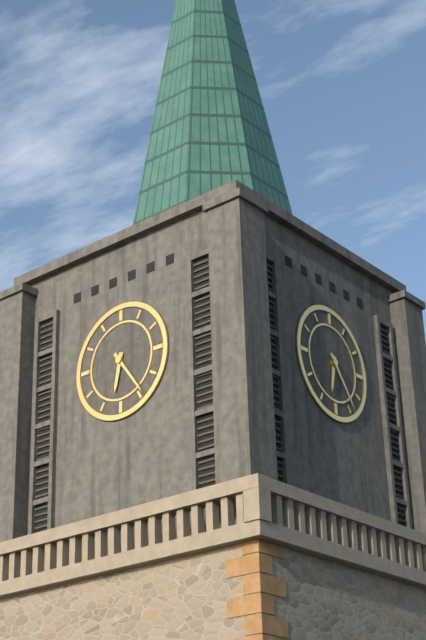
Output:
6 h 24 min
